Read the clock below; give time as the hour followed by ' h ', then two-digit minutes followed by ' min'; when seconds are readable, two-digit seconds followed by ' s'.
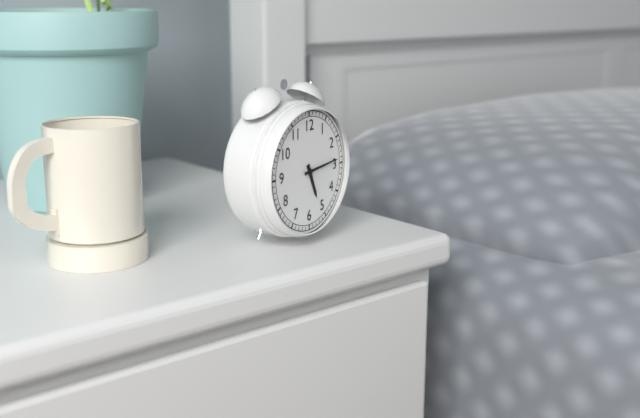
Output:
5 h 14 min
